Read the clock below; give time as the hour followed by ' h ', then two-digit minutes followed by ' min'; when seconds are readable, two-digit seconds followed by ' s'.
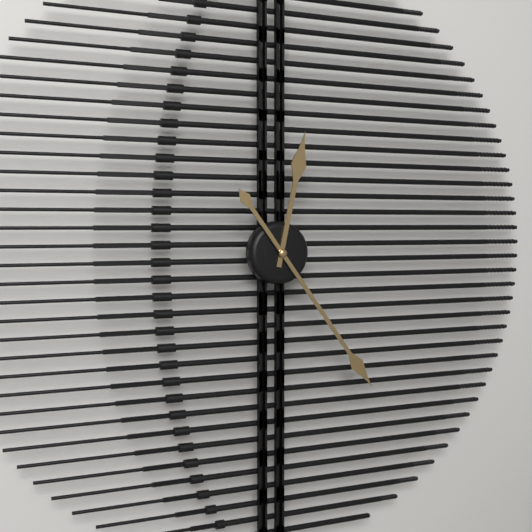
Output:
12 h 24 min
